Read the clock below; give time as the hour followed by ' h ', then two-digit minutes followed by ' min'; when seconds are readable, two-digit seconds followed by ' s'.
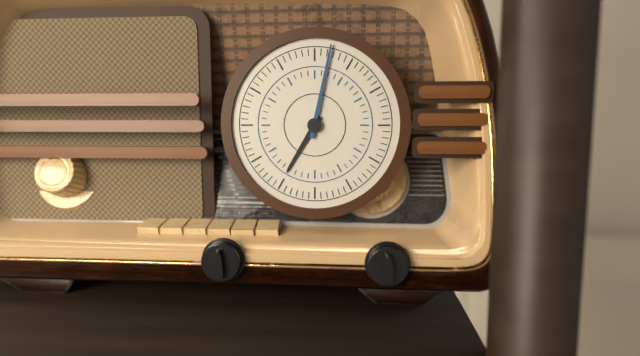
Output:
7 h 02 min
